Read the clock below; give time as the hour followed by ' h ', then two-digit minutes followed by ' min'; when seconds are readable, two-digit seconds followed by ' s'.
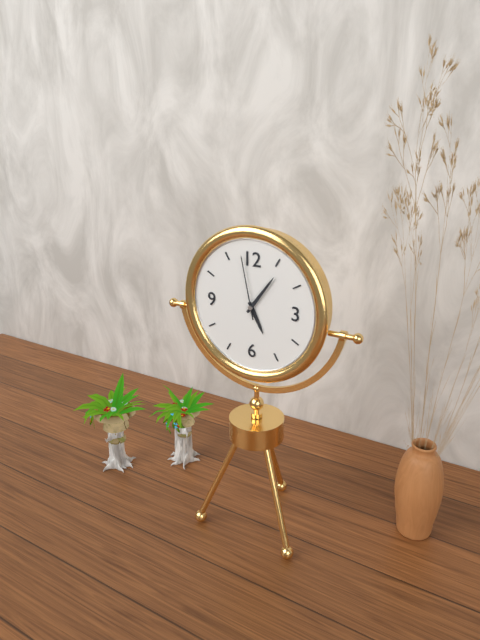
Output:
5 h 06 min 58 s
